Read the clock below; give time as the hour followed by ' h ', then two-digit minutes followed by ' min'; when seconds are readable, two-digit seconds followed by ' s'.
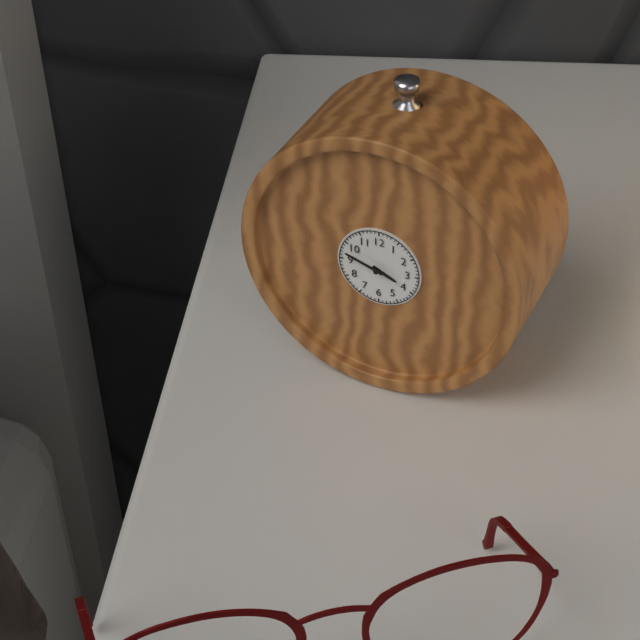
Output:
3 h 48 min
